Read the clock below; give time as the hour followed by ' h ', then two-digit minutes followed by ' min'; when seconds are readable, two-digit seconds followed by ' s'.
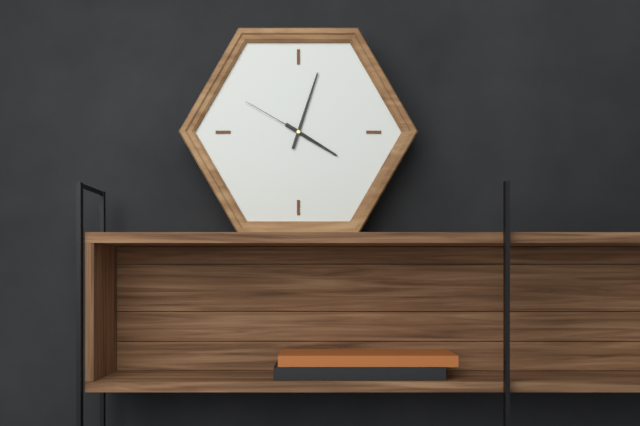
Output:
4 h 03 min 50 s
